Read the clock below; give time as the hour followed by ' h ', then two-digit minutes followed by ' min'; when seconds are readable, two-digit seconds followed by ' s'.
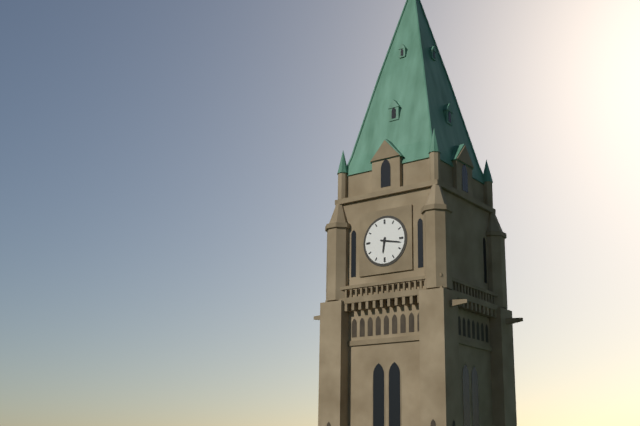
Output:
6 h 17 min
